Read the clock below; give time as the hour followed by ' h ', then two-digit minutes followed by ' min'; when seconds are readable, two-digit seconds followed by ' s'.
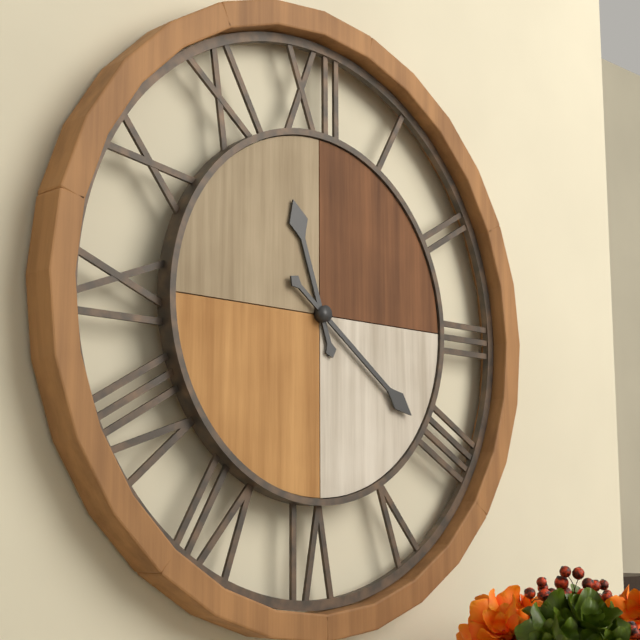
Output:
11 h 21 min
